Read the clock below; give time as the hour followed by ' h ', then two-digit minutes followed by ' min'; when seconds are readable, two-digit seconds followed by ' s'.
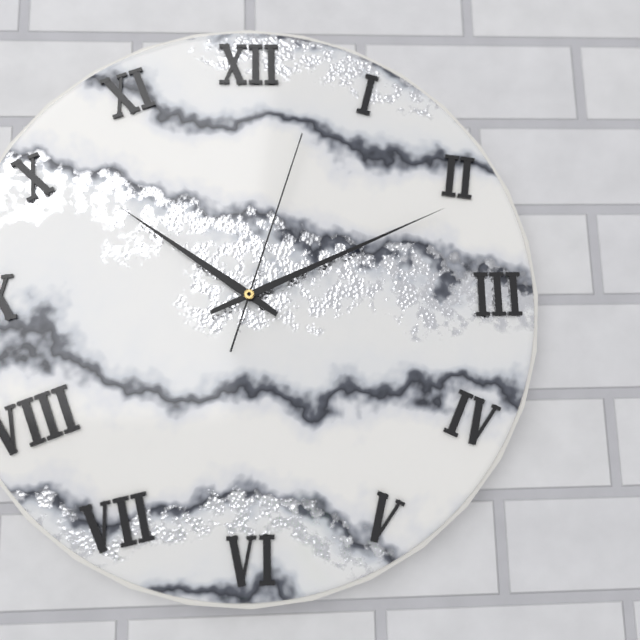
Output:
10 h 11 min 03 s
